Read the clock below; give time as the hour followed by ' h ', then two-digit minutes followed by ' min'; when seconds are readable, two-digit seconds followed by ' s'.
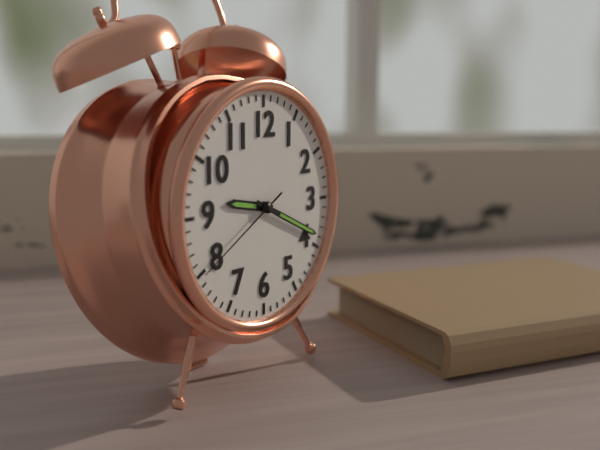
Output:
9 h 19 min 40 s
